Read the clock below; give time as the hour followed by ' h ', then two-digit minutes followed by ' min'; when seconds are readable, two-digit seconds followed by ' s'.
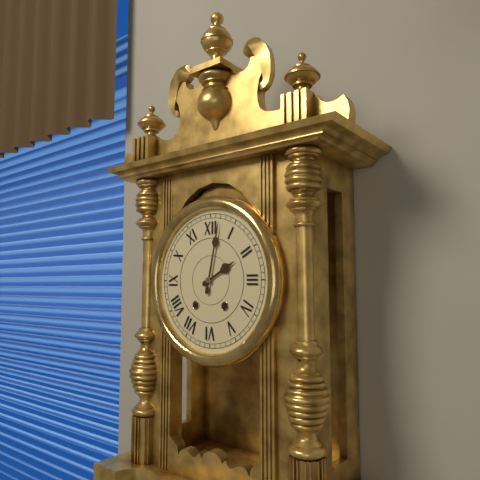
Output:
2 h 02 min
